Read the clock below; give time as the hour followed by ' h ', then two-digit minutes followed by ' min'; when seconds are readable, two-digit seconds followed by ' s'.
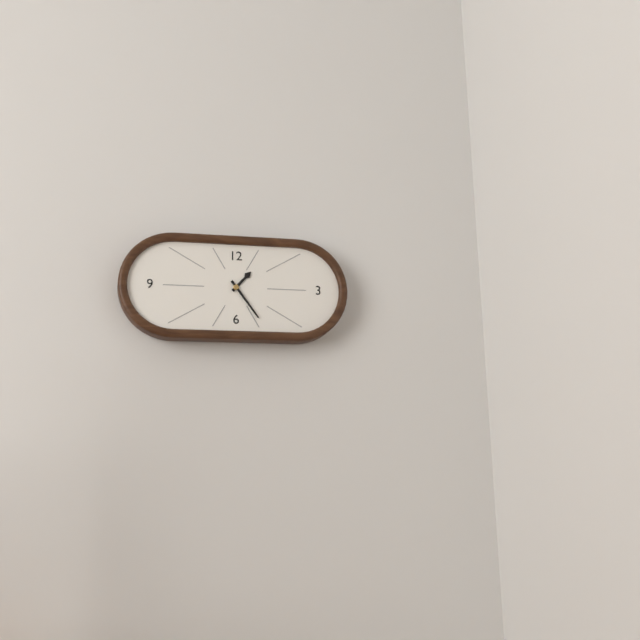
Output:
1 h 24 min
